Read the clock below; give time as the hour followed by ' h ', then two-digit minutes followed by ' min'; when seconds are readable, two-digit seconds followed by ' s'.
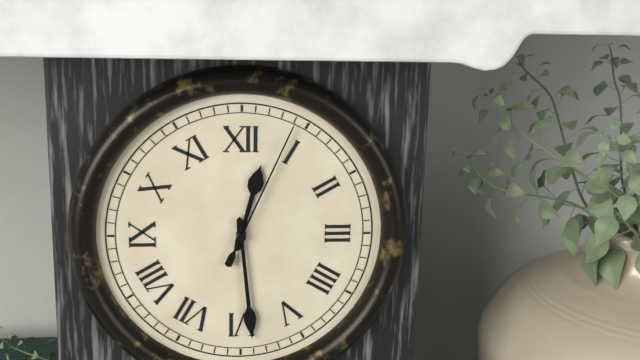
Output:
12 h 29 min 04 s
